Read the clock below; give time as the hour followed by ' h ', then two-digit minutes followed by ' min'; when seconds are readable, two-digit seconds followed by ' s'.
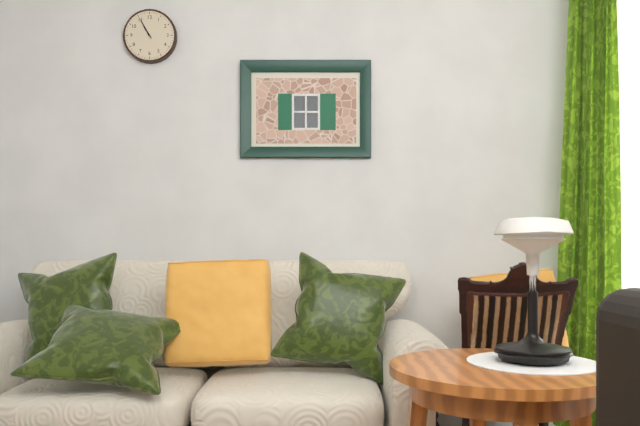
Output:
10 h 55 min
